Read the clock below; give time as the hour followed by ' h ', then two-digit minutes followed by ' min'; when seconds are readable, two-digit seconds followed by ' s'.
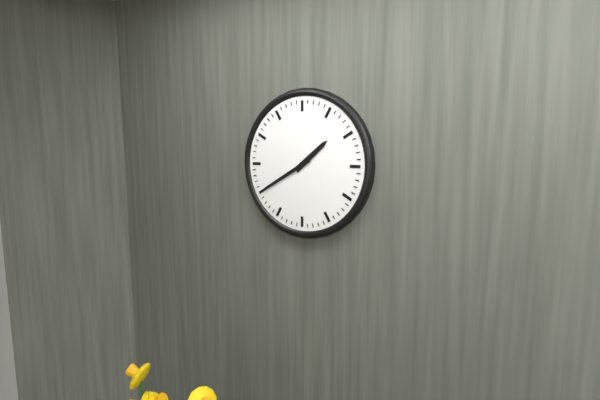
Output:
1 h 40 min
